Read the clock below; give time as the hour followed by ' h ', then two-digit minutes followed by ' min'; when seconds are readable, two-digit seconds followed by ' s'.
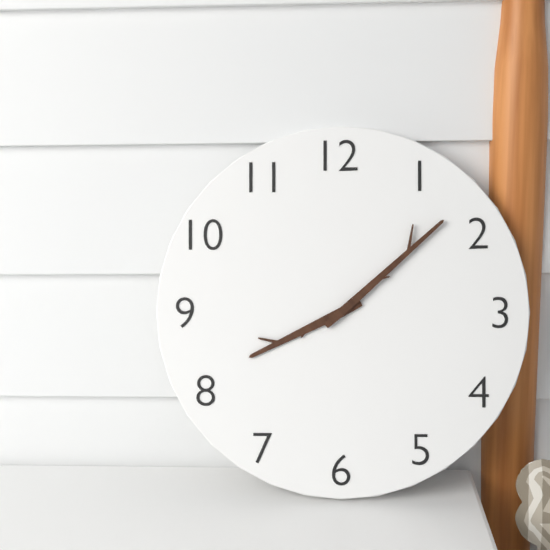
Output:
8 h 08 min
